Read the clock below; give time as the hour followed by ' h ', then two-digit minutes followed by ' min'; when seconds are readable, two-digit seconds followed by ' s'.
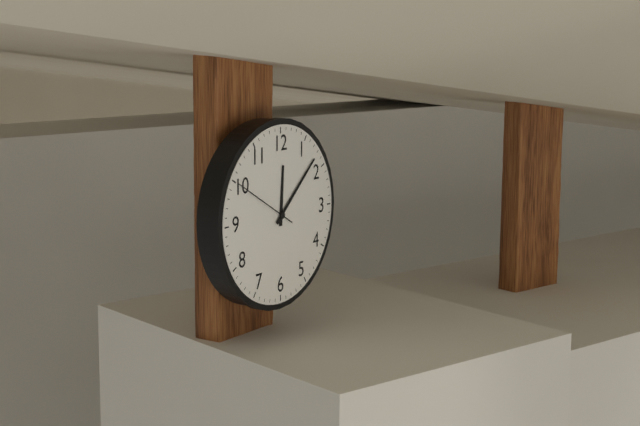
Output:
12 h 08 min 50 s
